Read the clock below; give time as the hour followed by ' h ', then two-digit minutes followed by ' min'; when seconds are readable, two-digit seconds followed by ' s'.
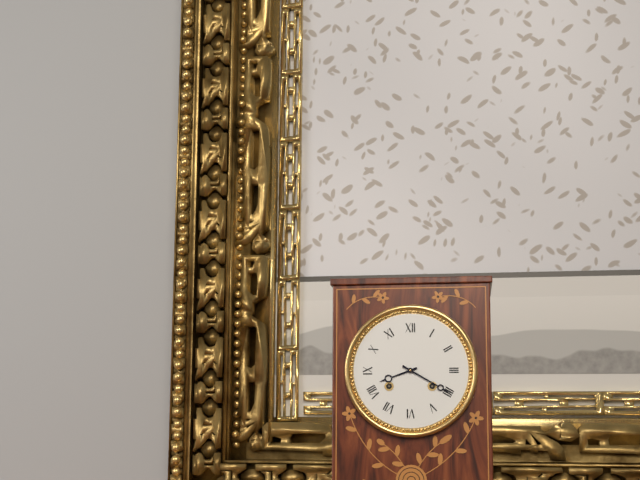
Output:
8 h 20 min
